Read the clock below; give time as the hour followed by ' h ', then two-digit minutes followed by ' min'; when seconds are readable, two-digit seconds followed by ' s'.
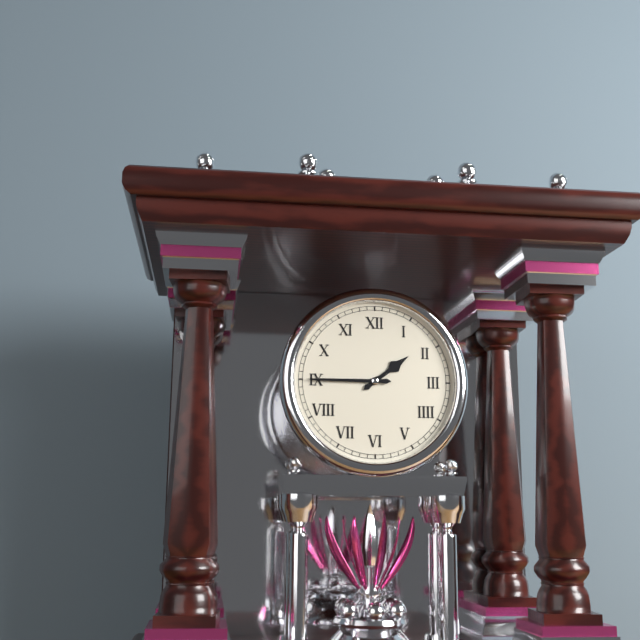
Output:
1 h 45 min
